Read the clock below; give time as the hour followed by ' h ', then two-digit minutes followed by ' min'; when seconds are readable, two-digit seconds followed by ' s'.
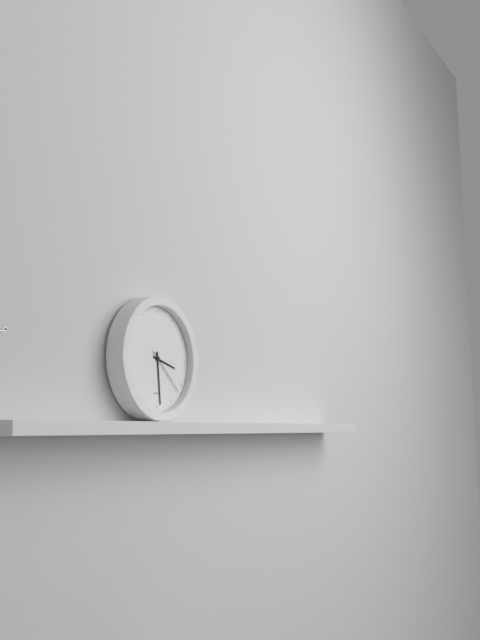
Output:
3 h 29 min
